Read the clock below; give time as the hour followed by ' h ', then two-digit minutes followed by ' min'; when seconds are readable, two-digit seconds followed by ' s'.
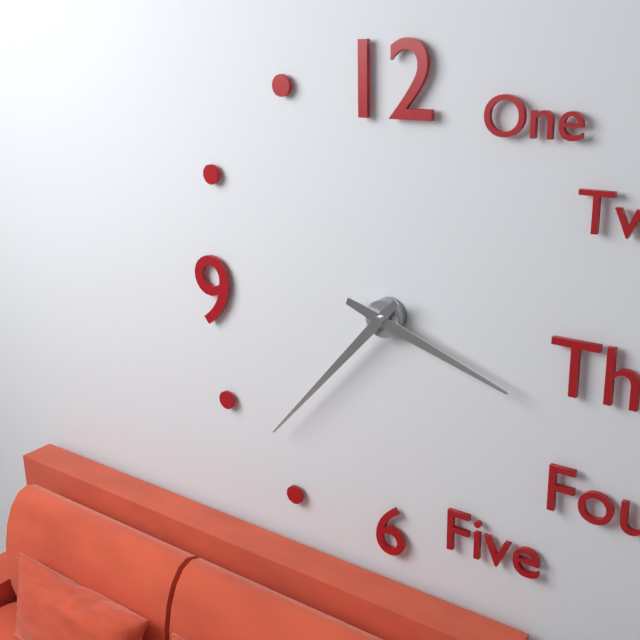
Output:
3 h 37 min
